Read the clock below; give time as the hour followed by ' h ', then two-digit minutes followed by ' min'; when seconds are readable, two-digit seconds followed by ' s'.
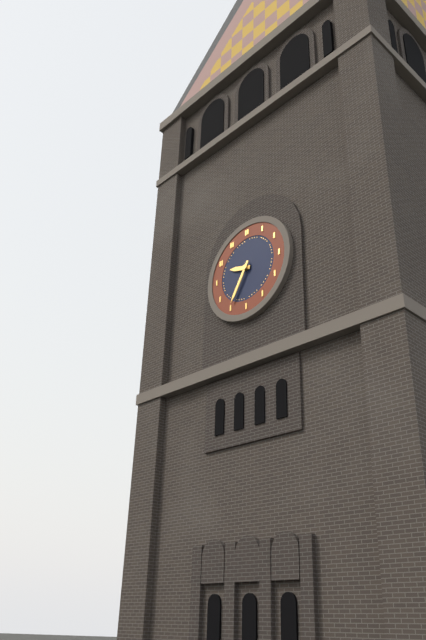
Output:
9 h 35 min
